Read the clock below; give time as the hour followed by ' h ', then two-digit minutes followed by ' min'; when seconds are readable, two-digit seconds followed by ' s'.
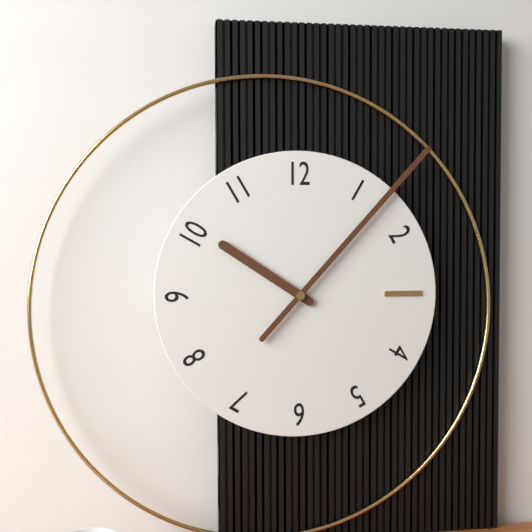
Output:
10 h 07 min
